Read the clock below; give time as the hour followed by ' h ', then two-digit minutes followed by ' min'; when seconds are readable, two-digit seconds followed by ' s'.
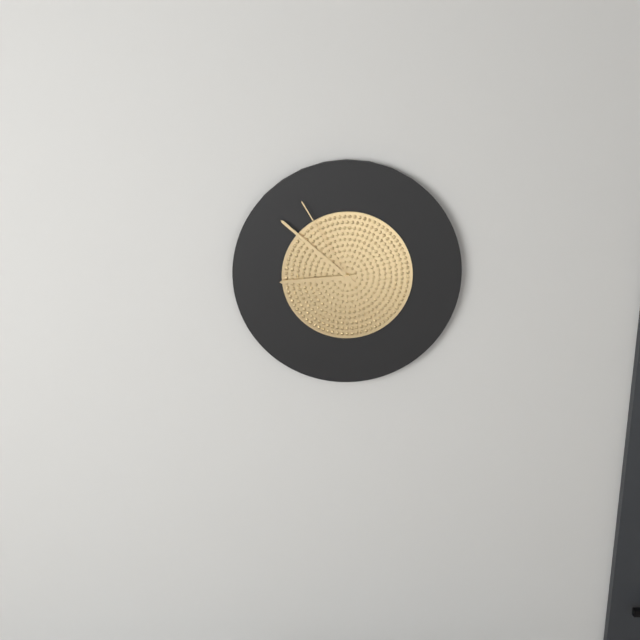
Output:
8 h 52 min 55 s
